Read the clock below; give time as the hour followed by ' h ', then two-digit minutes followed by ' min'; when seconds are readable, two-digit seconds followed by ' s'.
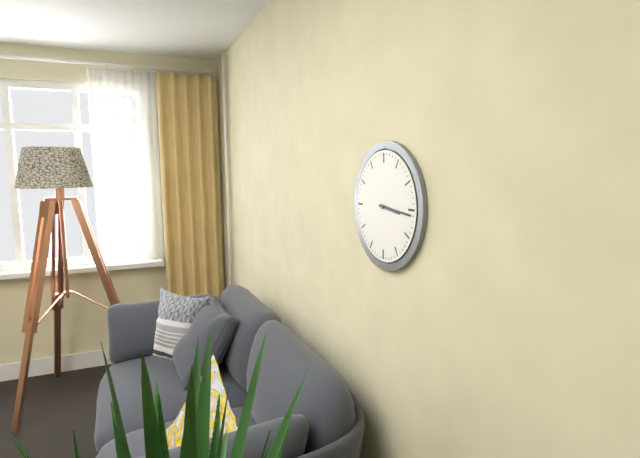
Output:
3 h 16 min
